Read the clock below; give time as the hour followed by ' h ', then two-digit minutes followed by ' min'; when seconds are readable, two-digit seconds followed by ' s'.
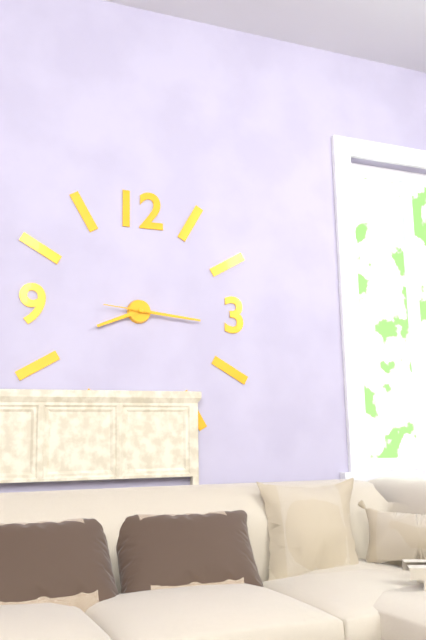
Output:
8 h 16 min
